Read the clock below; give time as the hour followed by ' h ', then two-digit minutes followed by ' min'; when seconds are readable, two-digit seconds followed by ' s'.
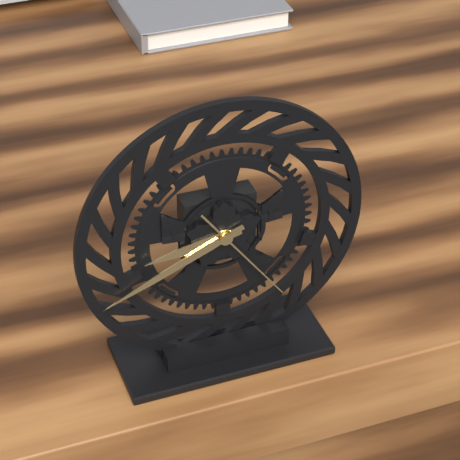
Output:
8 h 41 min 24 s
